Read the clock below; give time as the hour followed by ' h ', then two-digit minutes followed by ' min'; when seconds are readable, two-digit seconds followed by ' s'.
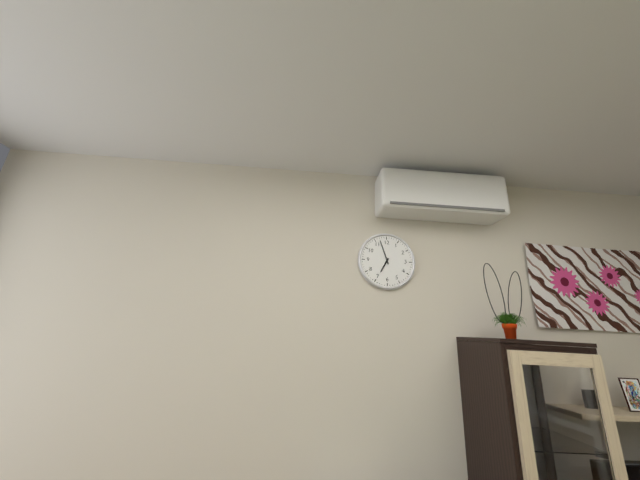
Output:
6 h 57 min
